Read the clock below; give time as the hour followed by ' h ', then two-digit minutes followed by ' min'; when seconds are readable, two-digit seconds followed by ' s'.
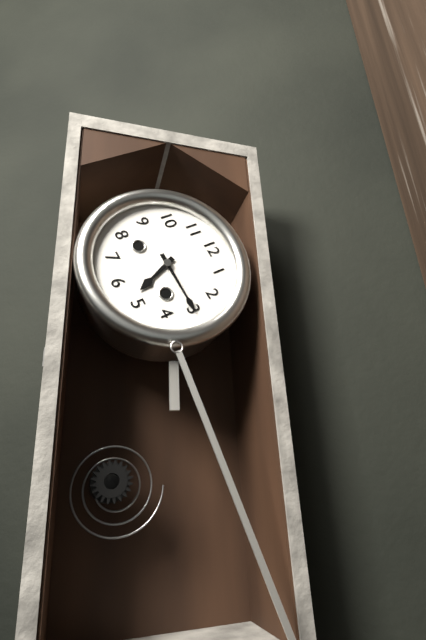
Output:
5 h 15 min
